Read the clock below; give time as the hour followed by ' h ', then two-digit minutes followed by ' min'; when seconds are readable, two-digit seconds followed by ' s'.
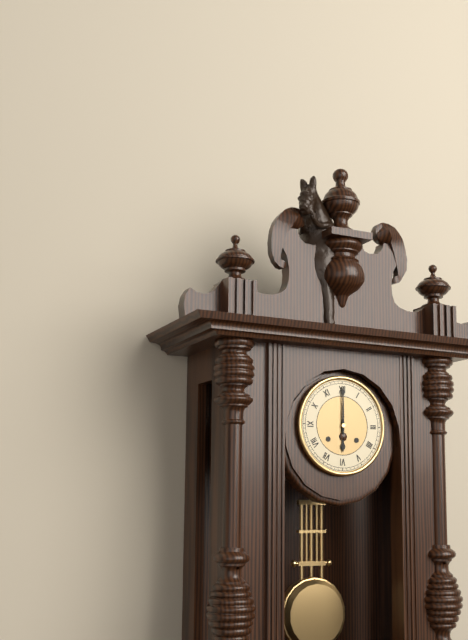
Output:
6 h 00 min
